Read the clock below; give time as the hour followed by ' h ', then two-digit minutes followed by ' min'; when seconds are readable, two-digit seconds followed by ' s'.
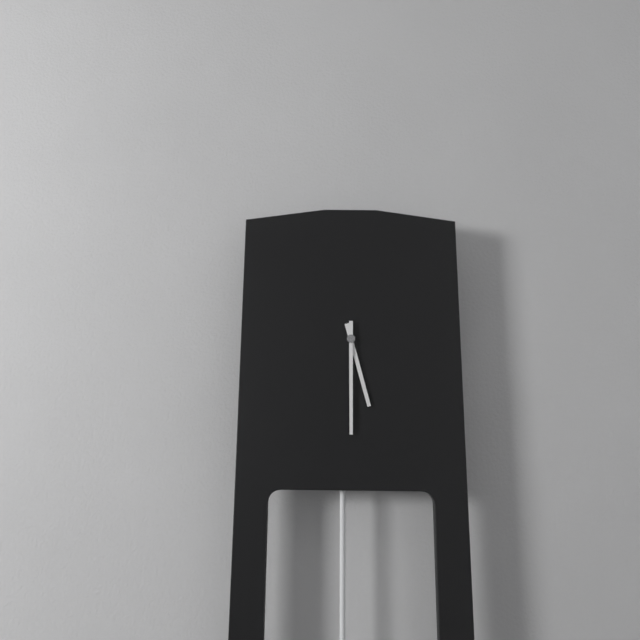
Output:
5 h 30 min
